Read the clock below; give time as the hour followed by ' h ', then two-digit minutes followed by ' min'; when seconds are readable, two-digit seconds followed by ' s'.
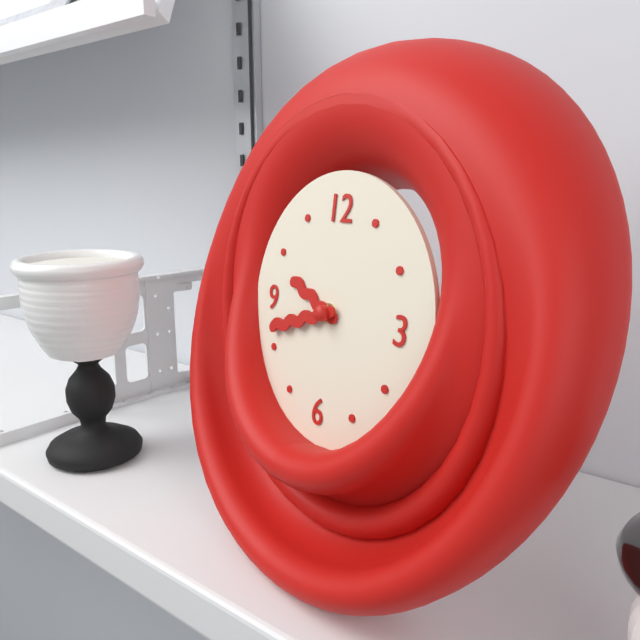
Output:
9 h 42 min
